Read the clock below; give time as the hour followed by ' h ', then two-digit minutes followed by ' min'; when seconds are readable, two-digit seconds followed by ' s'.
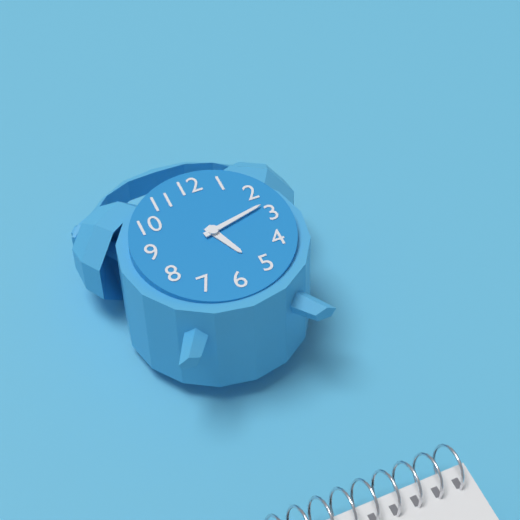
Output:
5 h 13 min
